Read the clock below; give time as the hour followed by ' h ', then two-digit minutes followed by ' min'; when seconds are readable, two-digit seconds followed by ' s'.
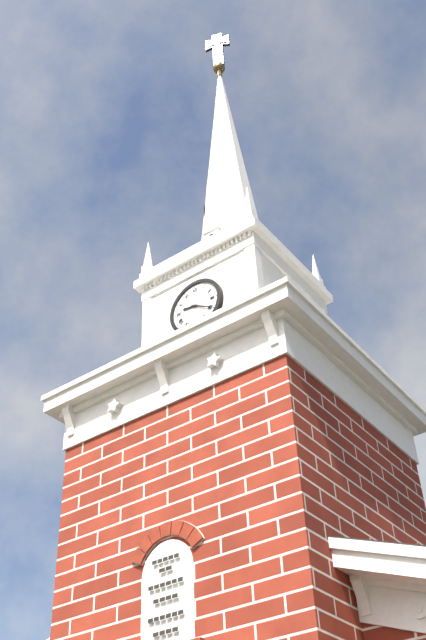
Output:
9 h 20 min
